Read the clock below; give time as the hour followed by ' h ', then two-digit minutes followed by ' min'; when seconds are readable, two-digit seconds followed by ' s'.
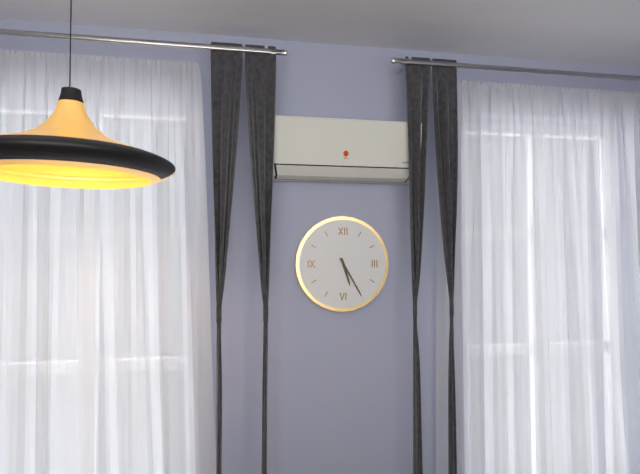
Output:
5 h 25 min
